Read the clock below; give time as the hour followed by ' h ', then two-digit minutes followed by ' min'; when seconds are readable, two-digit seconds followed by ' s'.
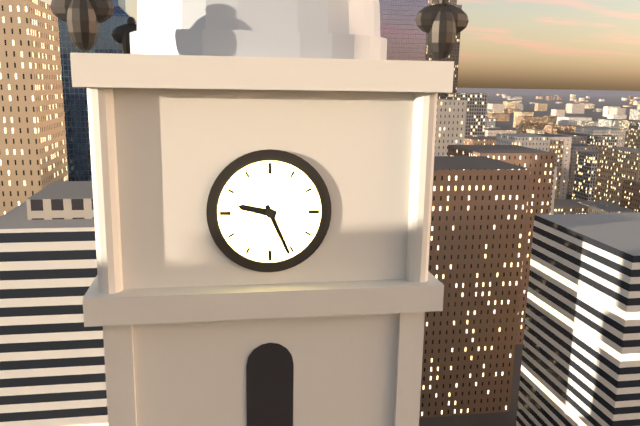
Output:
9 h 26 min
